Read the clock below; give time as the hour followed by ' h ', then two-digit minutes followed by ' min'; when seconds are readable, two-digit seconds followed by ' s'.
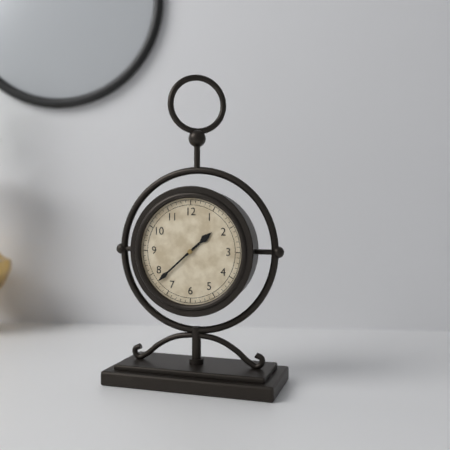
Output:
1 h 38 min
